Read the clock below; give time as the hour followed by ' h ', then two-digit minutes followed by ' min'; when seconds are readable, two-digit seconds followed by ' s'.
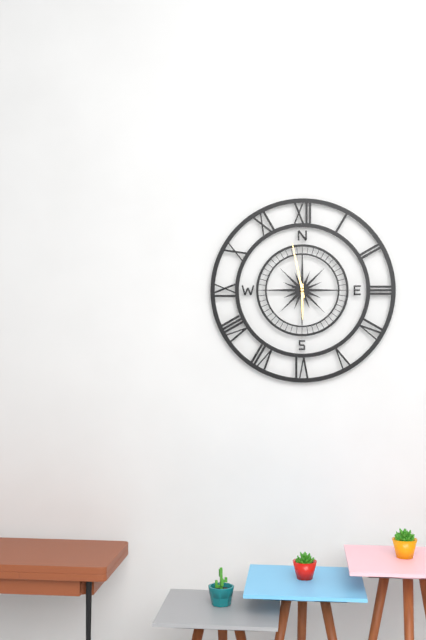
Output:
5 h 58 min
